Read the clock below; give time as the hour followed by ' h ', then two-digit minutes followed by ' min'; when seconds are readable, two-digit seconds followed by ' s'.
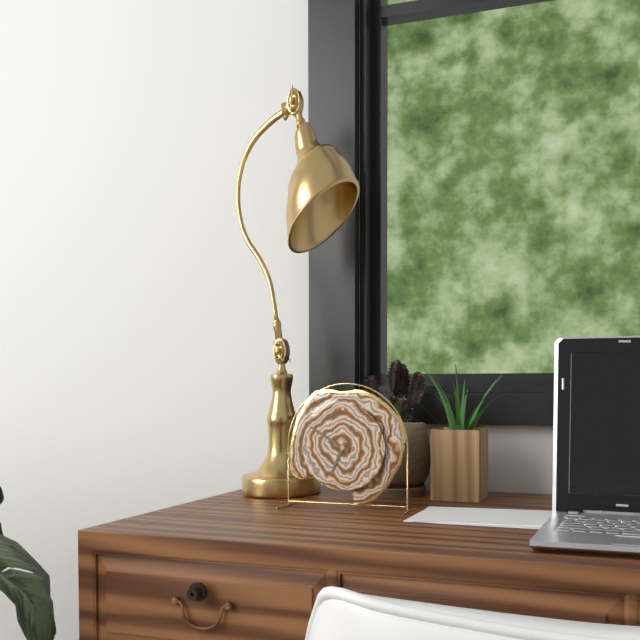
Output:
6 h 50 min
